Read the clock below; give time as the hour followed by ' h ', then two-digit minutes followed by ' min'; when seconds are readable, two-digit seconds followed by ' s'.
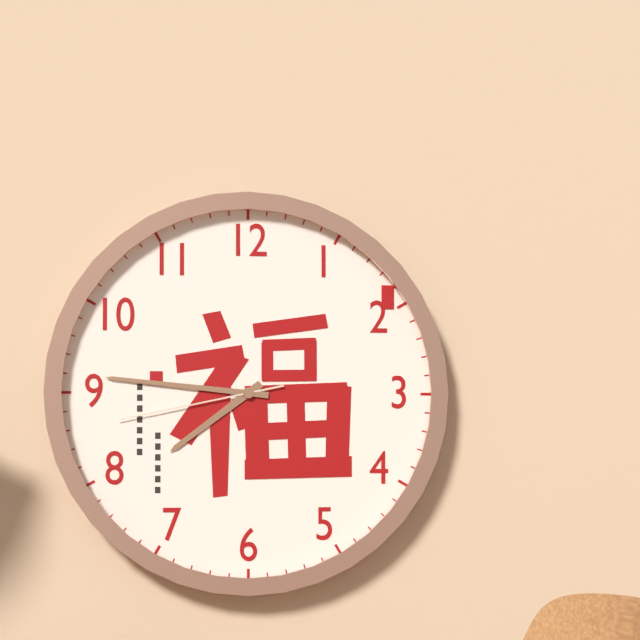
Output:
7 h 46 min 43 s
